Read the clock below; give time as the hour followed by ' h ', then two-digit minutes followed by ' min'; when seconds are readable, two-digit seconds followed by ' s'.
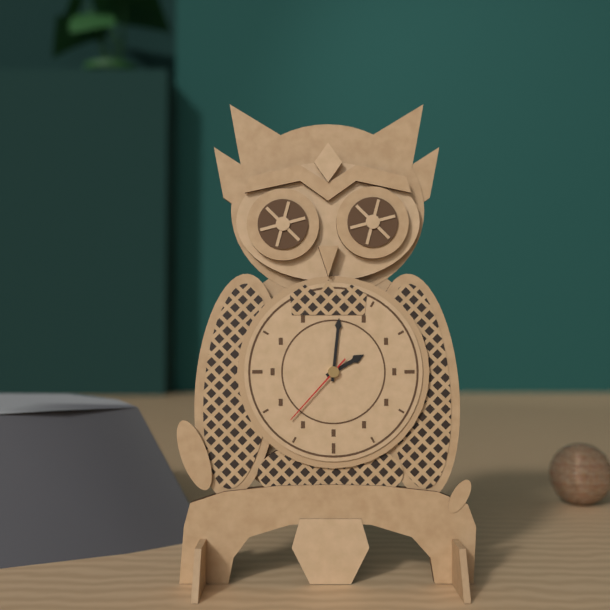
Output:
2 h 01 min 37 s
